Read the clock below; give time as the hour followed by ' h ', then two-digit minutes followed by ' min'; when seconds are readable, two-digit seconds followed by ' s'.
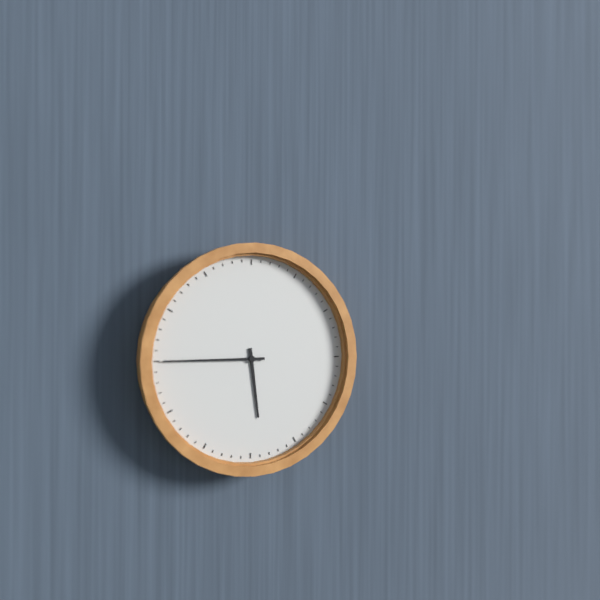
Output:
5 h 45 min
